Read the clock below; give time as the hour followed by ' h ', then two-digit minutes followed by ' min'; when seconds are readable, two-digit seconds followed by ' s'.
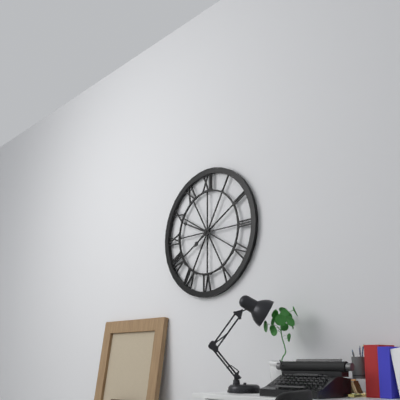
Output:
7 h 49 min
